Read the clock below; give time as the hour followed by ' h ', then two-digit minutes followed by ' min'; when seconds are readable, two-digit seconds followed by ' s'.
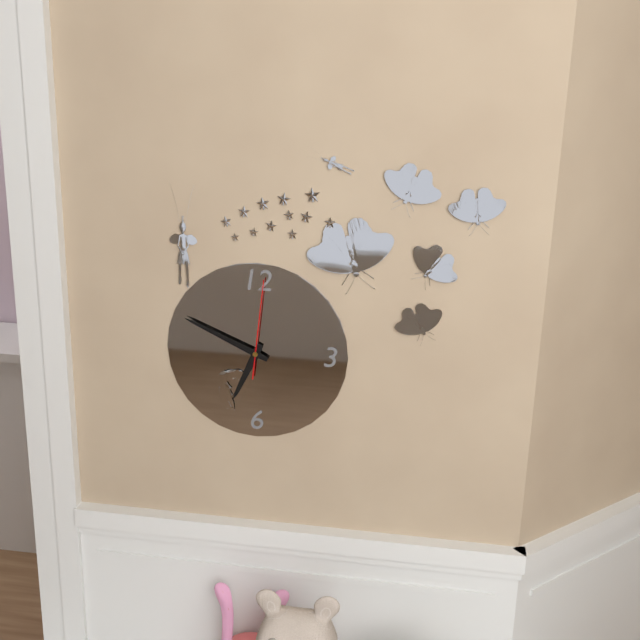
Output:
6 h 49 min 01 s
